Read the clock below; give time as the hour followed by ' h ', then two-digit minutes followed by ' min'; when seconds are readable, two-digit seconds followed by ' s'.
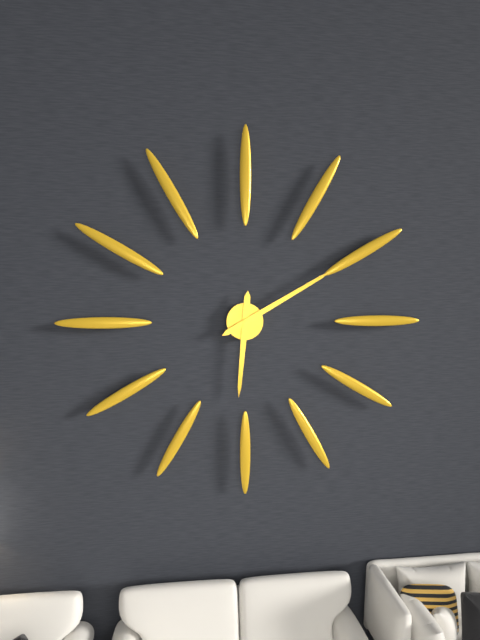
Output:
6 h 10 min
